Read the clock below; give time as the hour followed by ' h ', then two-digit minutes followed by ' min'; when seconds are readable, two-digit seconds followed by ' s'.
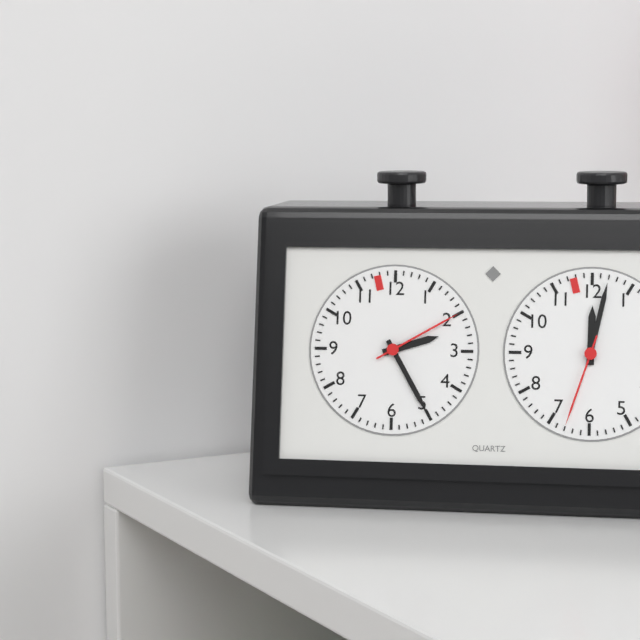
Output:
2 h 25 min 10 s
